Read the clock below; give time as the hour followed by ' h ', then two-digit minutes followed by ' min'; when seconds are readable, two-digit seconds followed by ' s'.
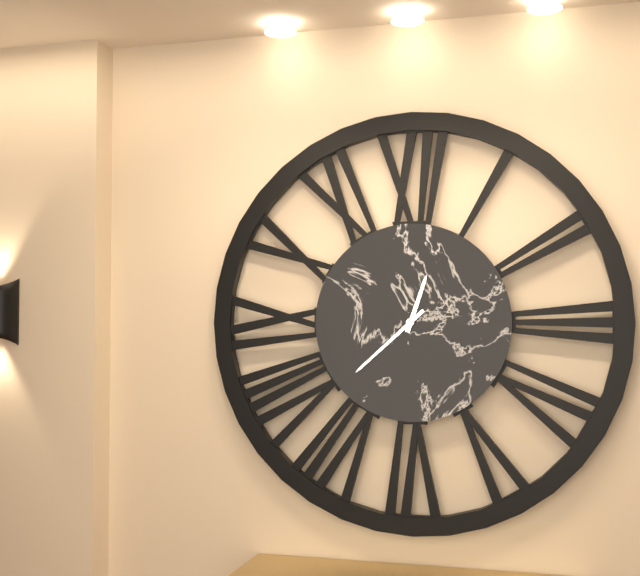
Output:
12 h 38 min
